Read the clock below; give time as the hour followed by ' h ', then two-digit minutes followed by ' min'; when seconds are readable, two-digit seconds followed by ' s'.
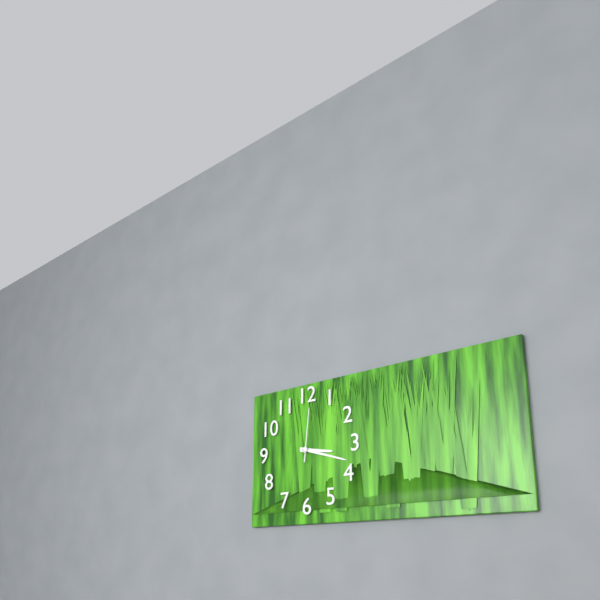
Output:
3 h 18 min 01 s
